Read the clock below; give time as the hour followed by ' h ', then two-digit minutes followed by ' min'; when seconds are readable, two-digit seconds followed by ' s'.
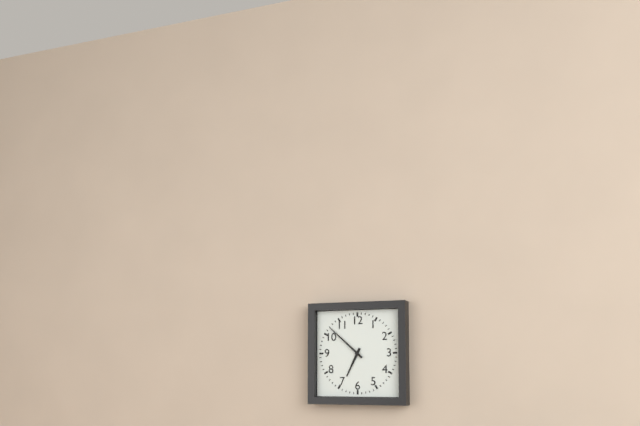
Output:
6 h 52 min
